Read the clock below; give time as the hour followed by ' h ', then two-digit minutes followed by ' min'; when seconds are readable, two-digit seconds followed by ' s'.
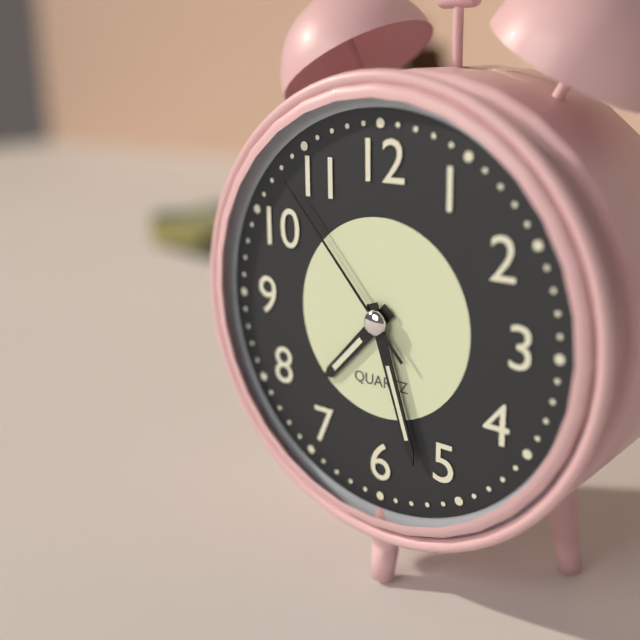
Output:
7 h 27 min 53 s
